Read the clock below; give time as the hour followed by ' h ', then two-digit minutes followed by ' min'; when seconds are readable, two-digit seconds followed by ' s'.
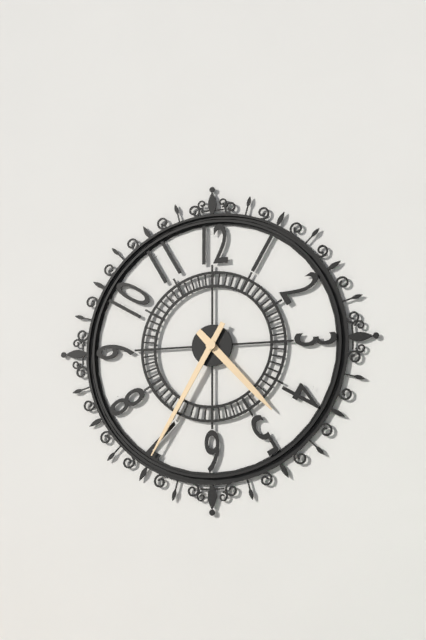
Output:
4 h 35 min
